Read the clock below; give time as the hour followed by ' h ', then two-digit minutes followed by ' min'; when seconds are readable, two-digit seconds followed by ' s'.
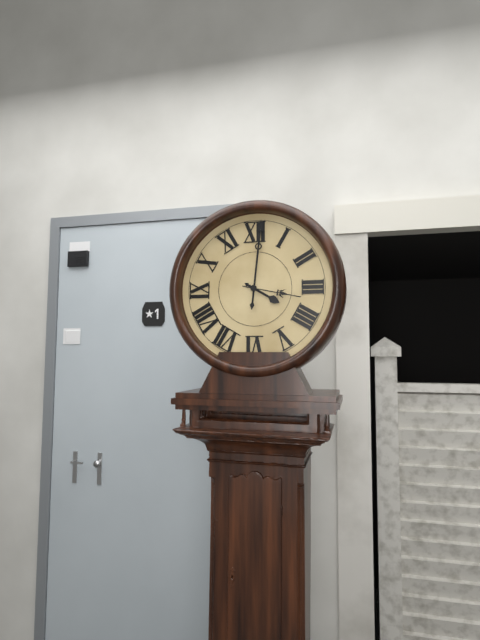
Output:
4 h 01 min 17 s
